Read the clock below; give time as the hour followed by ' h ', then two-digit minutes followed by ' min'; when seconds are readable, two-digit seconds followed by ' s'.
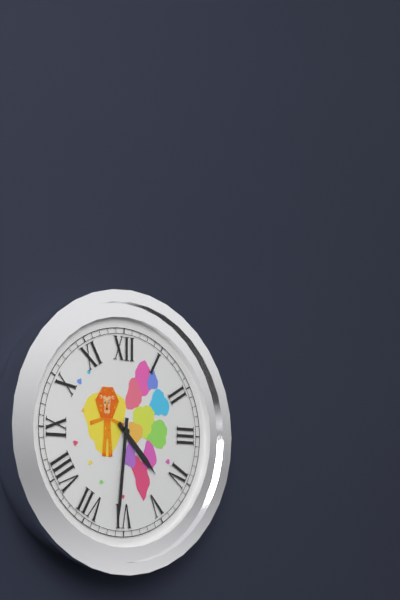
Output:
4 h 31 min
